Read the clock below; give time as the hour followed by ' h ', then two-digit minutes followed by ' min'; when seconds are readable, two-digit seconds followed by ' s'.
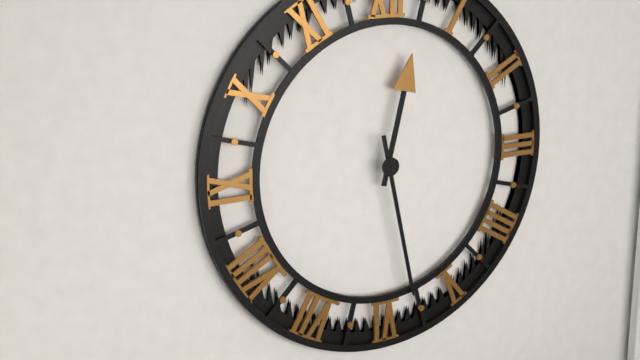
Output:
12 h 28 min
